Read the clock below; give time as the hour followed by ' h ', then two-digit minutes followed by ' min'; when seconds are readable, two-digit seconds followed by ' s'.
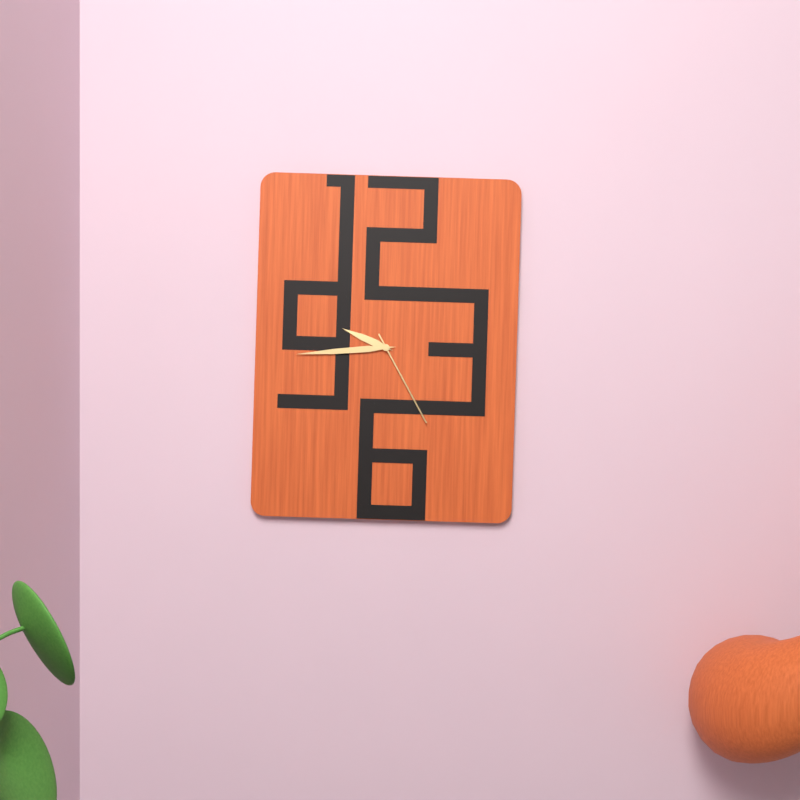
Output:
9 h 44 min 25 s
